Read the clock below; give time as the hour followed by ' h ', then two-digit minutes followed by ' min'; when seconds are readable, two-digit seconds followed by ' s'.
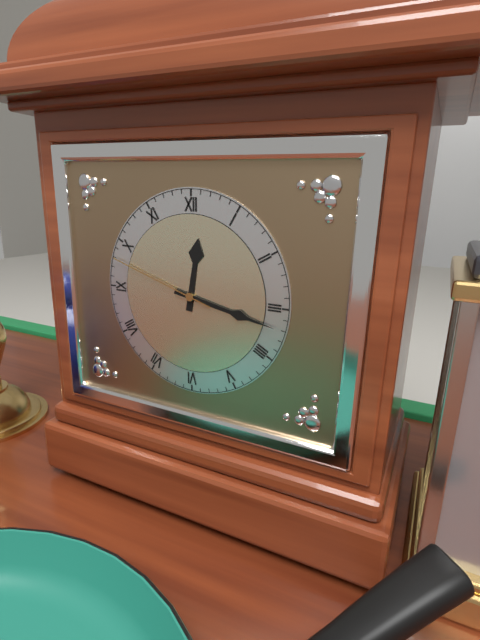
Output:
12 h 17 min 48 s
